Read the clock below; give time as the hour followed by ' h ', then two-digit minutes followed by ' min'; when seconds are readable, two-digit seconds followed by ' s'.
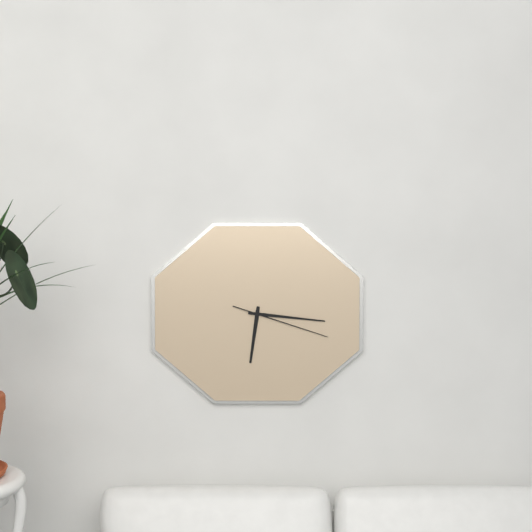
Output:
6 h 16 min 18 s
